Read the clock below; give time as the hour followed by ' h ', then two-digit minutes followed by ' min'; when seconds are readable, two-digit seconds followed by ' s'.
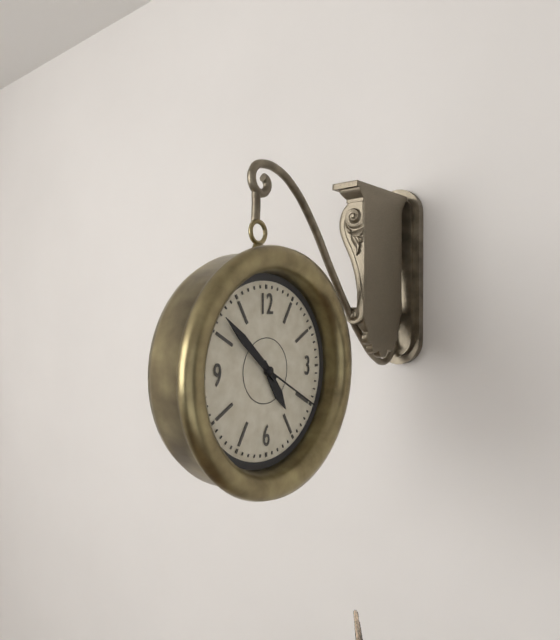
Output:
4 h 52 min 20 s
